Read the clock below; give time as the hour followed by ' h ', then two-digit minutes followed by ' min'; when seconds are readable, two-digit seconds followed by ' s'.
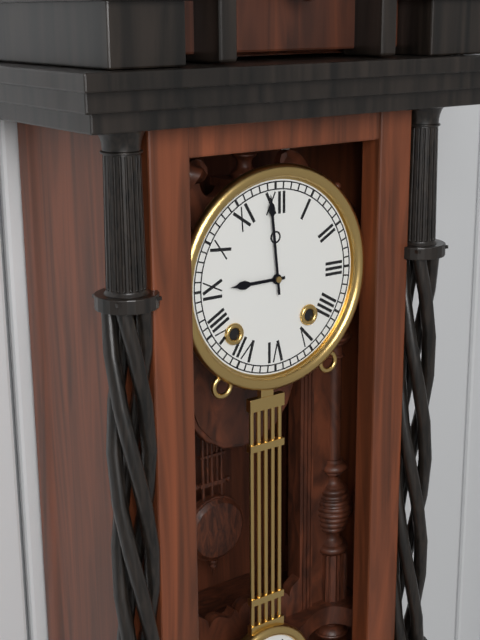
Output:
8 h 59 min
